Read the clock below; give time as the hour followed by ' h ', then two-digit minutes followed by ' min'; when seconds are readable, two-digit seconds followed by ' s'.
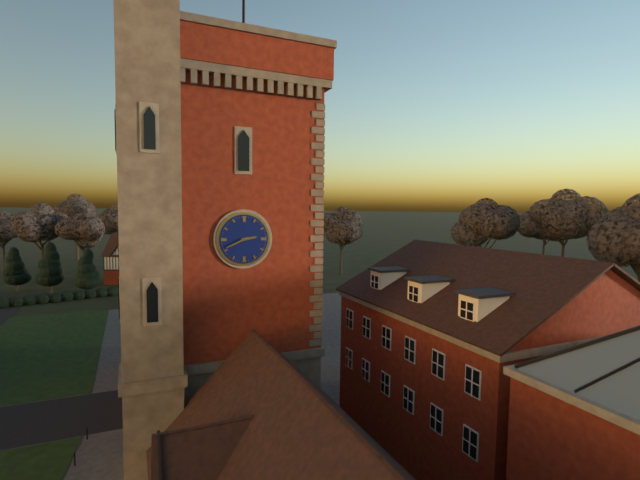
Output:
2 h 41 min
